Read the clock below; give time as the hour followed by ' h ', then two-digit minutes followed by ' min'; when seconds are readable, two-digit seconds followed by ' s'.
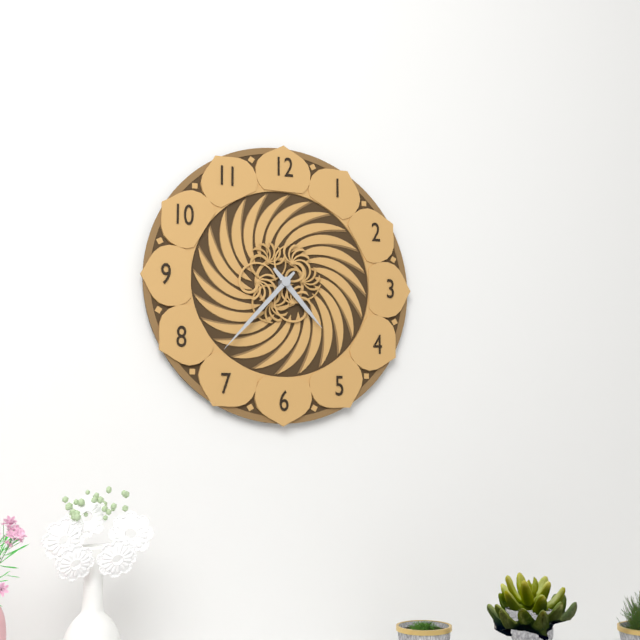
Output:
4 h 37 min
